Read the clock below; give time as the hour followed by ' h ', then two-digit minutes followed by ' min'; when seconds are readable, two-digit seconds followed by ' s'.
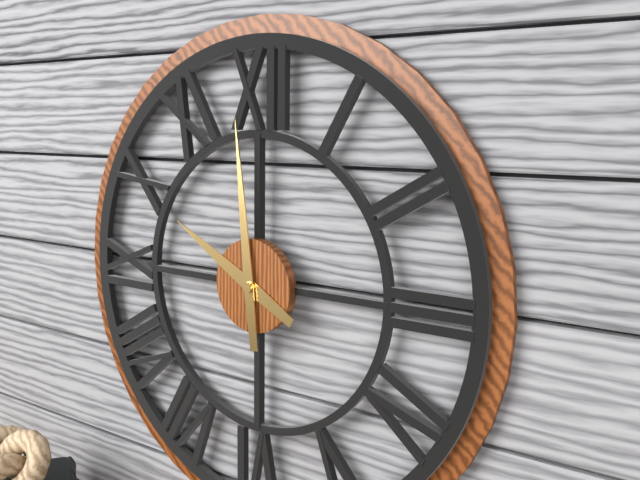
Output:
9 h 59 min
